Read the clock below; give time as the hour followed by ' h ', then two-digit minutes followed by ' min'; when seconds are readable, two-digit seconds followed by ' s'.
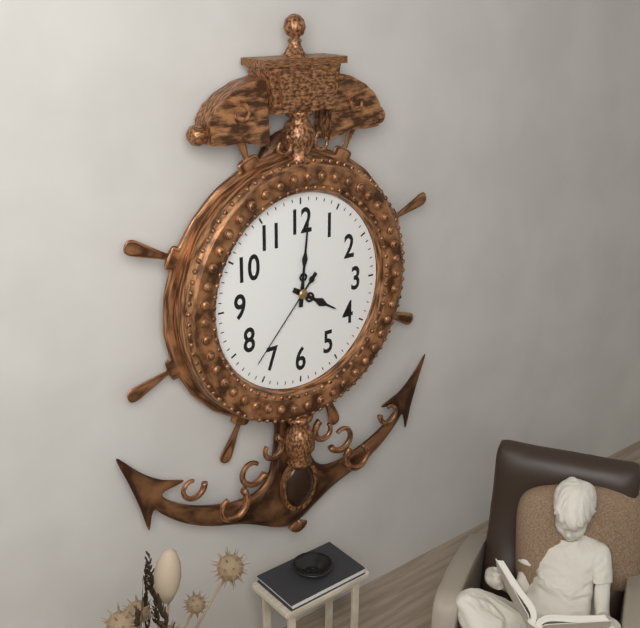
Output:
4 h 01 min 37 s
